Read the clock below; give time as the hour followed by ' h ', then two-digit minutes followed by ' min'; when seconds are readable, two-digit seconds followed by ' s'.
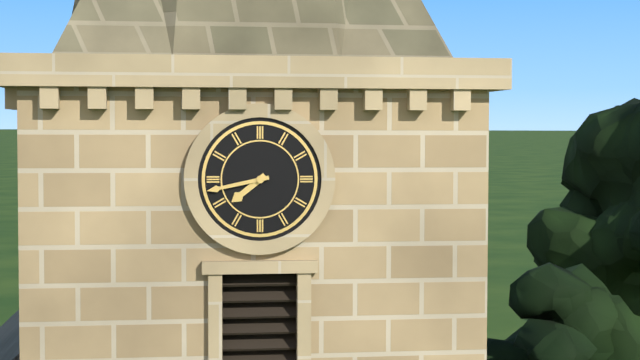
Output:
7 h 43 min
